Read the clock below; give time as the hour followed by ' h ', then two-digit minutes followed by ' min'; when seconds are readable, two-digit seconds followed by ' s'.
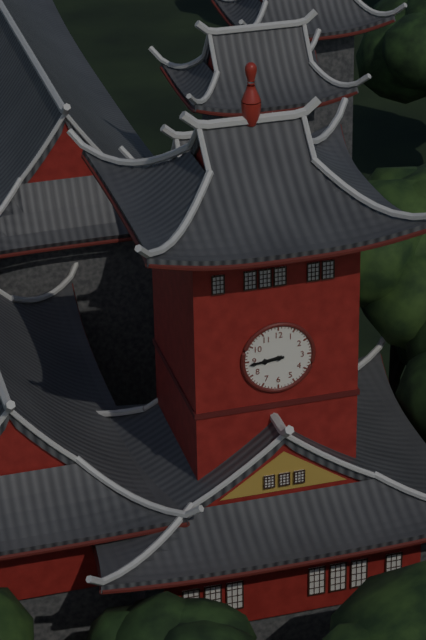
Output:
8 h 44 min
